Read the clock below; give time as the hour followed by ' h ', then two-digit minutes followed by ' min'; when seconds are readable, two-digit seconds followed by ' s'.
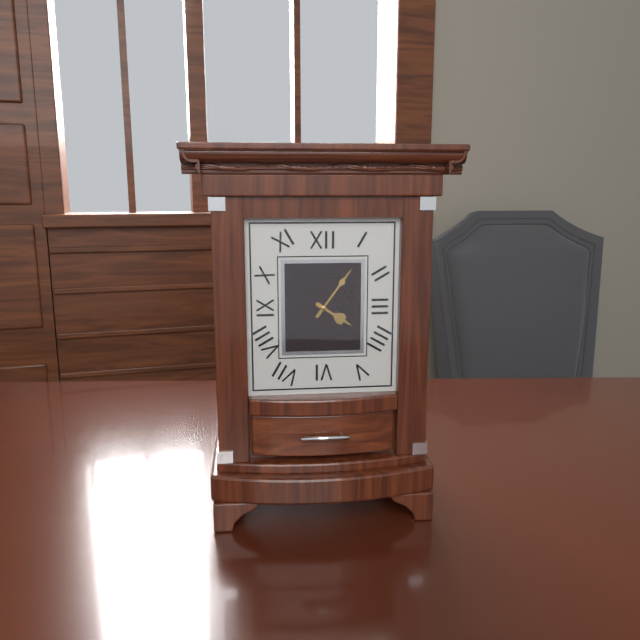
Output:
4 h 06 min
